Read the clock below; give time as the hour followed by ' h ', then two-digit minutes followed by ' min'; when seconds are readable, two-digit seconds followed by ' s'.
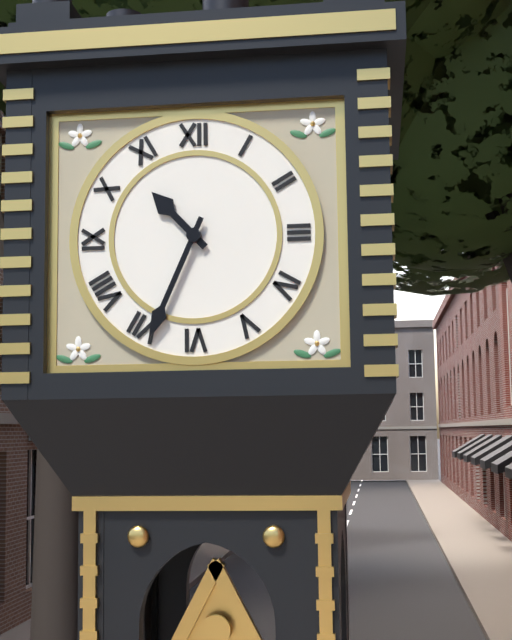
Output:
10 h 34 min
